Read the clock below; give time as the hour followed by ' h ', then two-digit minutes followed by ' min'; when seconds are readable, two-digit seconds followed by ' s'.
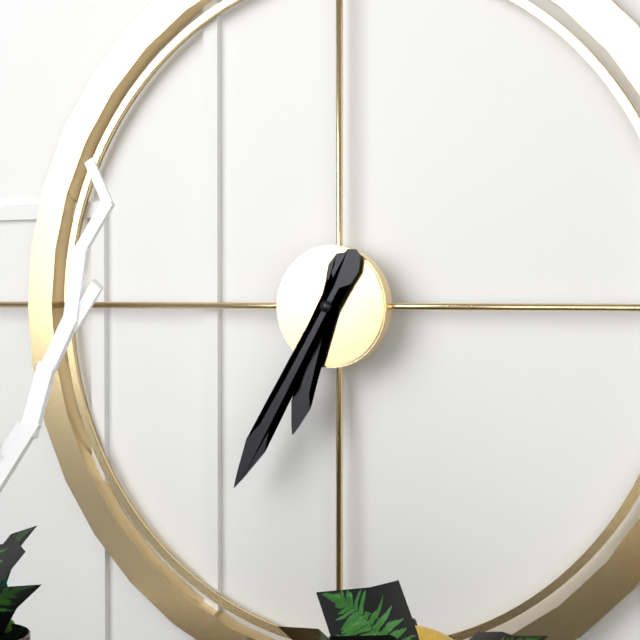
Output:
6 h 35 min
